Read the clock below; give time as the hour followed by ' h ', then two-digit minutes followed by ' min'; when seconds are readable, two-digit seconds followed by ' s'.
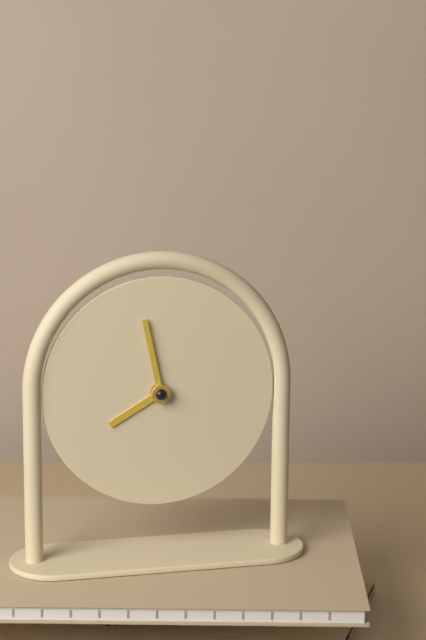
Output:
7 h 58 min
